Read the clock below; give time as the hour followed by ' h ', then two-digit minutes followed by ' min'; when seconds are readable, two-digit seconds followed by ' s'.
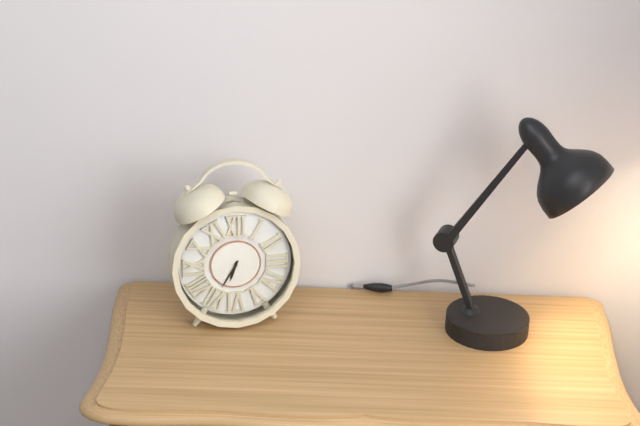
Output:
6 h 35 min
